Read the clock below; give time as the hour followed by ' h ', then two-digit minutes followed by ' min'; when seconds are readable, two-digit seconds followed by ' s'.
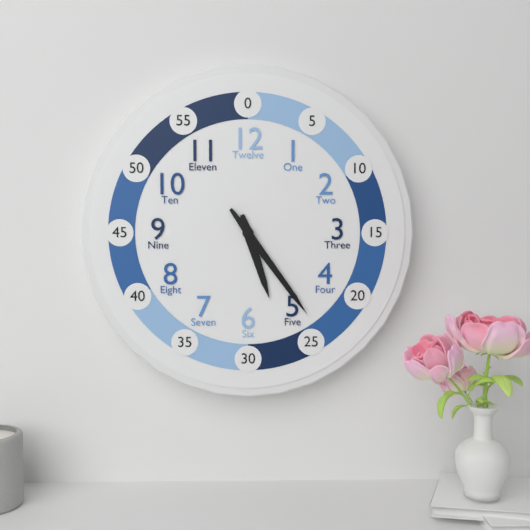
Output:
5 h 24 min
